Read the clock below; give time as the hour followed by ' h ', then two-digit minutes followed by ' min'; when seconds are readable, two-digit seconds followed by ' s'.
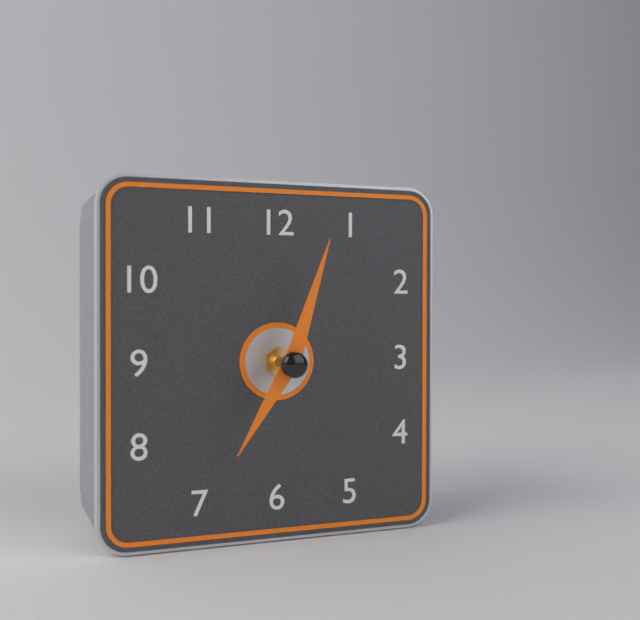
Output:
7 h 03 min
